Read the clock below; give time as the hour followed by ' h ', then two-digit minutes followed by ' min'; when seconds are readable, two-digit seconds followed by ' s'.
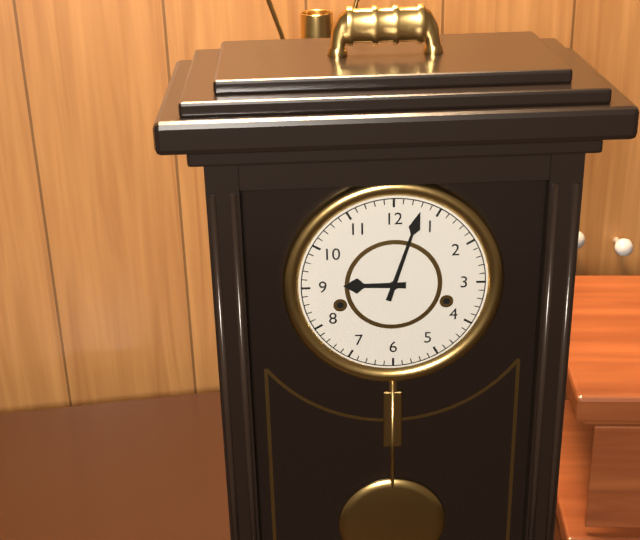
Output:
9 h 03 min
